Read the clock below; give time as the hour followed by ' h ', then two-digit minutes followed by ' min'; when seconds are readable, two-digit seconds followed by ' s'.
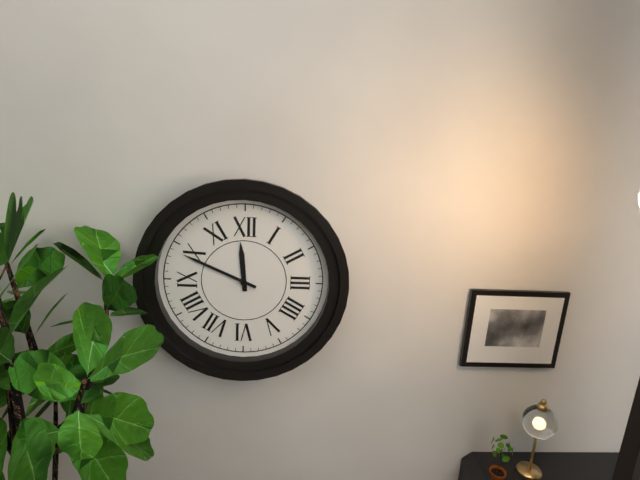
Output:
11 h 49 min
